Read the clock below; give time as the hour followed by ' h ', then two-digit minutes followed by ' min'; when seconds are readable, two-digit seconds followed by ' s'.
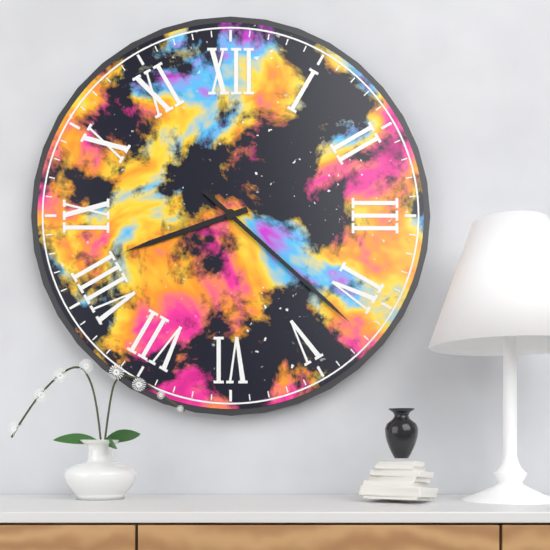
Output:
8 h 22 min
